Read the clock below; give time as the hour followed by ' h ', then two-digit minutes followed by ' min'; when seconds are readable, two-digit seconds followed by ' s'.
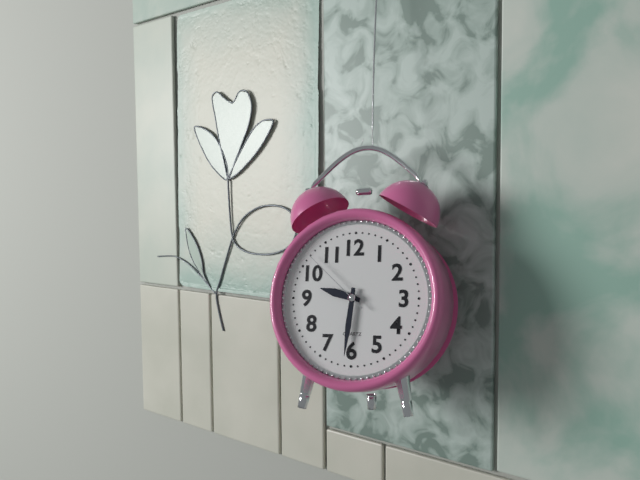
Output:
9 h 31 min 52 s
